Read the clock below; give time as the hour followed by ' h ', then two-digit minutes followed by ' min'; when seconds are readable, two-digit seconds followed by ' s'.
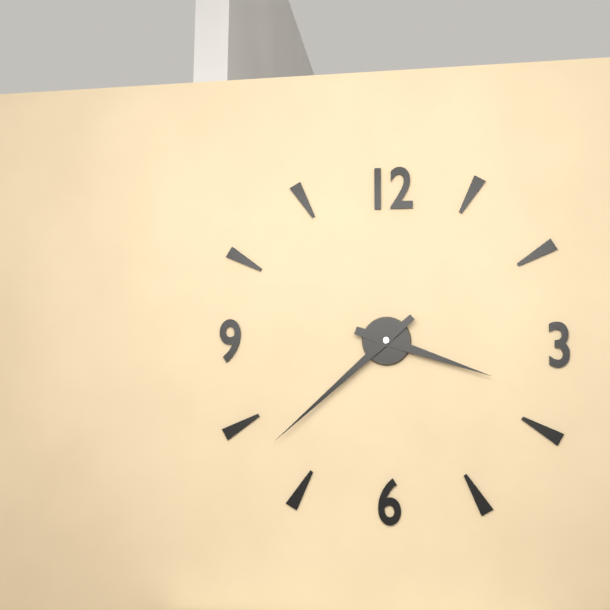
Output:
3 h 38 min
